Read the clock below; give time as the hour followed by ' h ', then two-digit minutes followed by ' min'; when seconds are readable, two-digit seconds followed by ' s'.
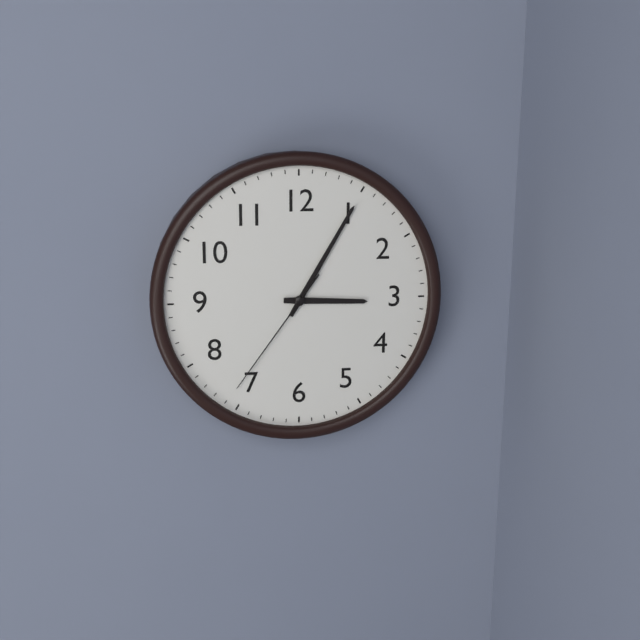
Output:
3 h 05 min 36 s
